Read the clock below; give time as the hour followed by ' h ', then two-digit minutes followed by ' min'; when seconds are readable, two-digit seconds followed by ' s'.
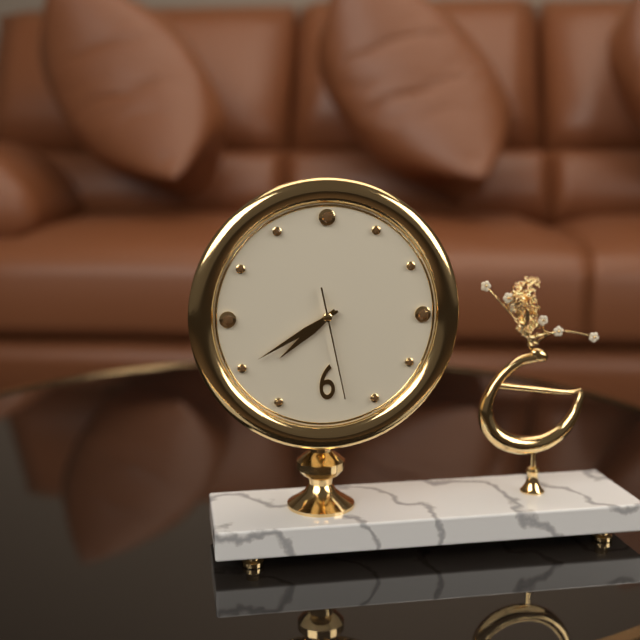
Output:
7 h 40 min 28 s
